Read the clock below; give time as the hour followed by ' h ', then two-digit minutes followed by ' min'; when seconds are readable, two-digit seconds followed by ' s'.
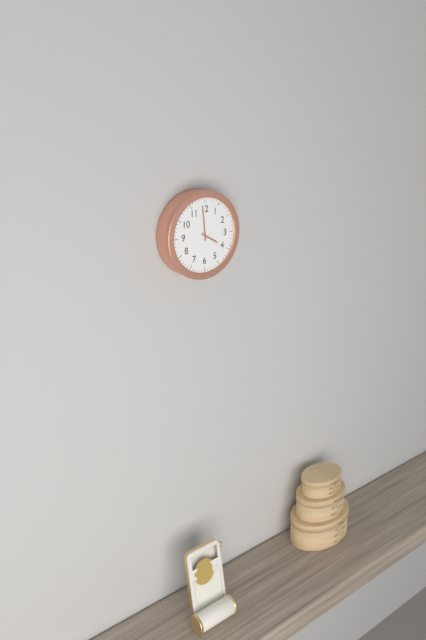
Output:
3 h 59 min
